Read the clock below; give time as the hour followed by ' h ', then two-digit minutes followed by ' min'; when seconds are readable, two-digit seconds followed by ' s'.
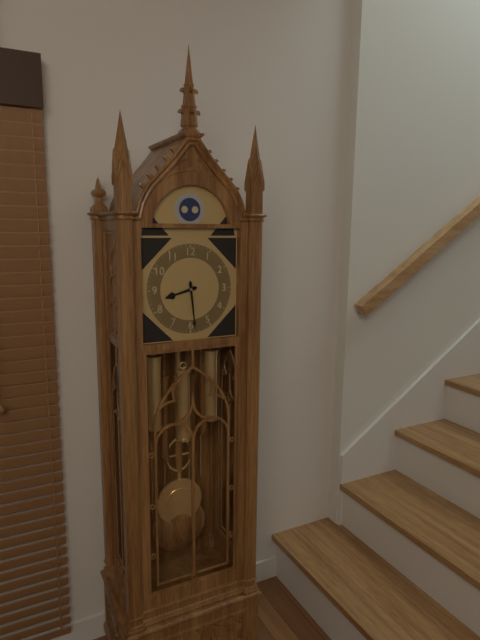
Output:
8 h 29 min
